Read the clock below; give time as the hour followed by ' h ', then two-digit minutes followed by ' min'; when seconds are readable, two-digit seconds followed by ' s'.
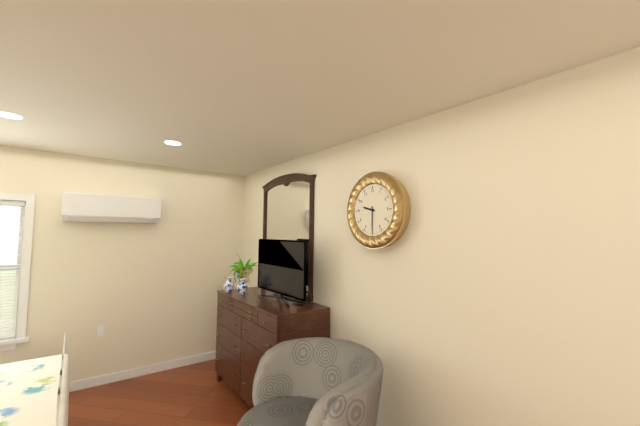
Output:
9 h 30 min
